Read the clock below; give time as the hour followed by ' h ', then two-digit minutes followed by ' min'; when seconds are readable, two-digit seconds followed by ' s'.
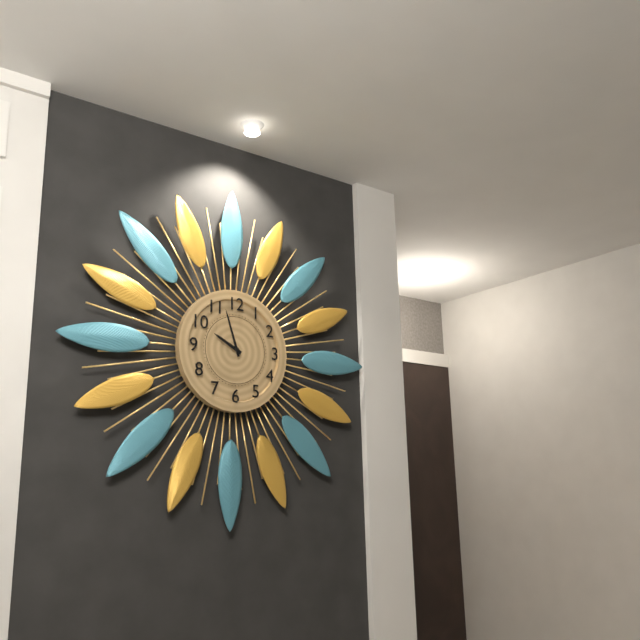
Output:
9 h 57 min
